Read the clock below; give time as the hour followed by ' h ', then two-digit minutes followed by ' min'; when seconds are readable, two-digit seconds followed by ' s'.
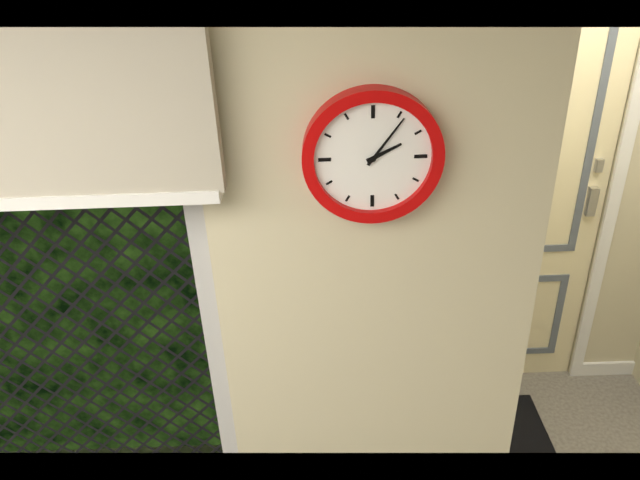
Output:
2 h 06 min
